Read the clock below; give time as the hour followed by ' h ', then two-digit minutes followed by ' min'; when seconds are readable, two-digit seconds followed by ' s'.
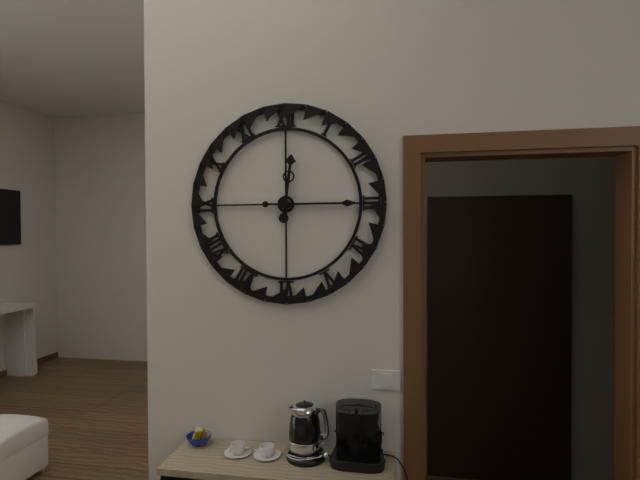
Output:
12 h 15 min
